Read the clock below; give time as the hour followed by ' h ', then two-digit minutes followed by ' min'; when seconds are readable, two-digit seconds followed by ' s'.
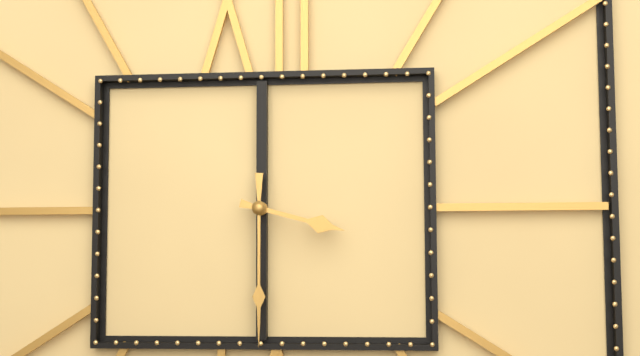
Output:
3 h 30 min
